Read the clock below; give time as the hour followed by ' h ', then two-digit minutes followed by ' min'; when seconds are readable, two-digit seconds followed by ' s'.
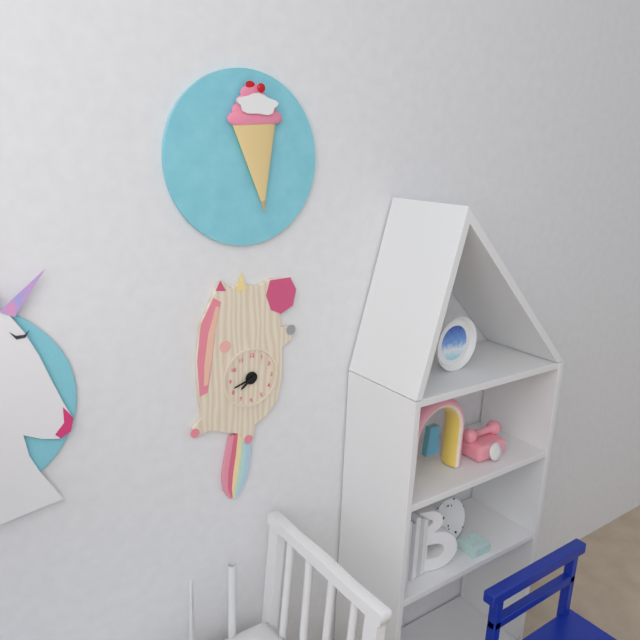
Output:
7 h 42 min
